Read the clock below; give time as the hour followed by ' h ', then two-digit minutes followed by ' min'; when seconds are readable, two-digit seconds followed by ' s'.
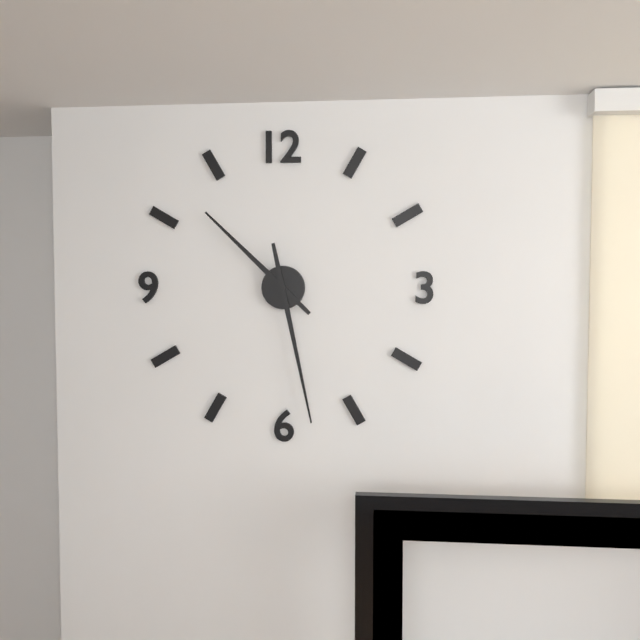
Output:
10 h 28 min
